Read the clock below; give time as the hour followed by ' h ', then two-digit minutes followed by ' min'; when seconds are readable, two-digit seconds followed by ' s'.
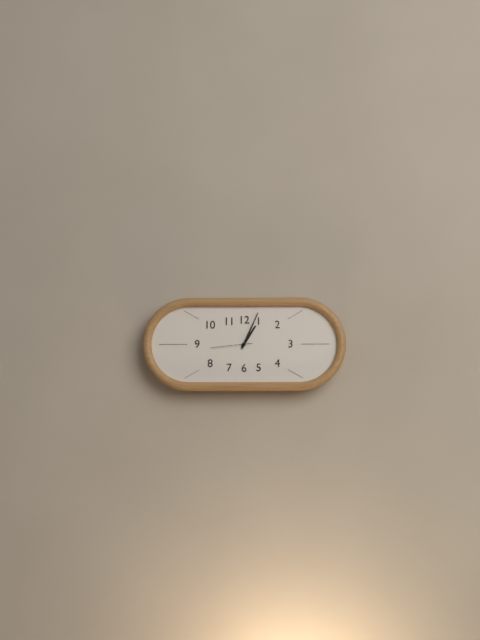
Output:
1 h 04 min
